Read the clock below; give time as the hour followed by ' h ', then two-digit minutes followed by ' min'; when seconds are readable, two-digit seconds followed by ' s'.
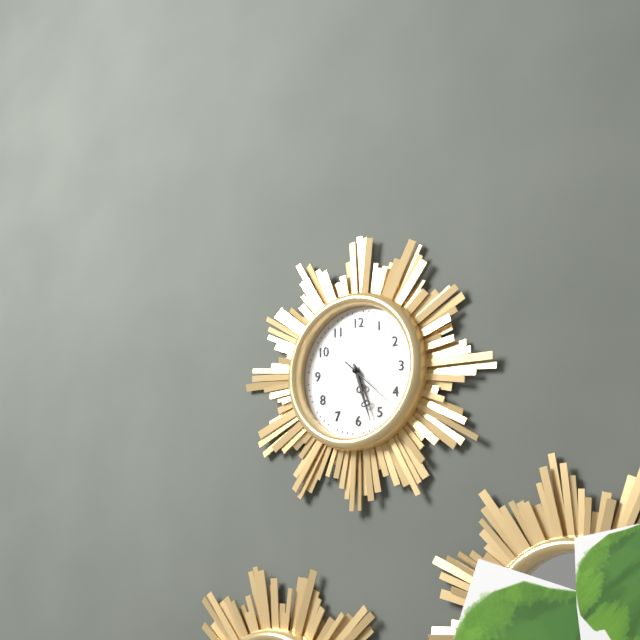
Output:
5 h 27 min 22 s
